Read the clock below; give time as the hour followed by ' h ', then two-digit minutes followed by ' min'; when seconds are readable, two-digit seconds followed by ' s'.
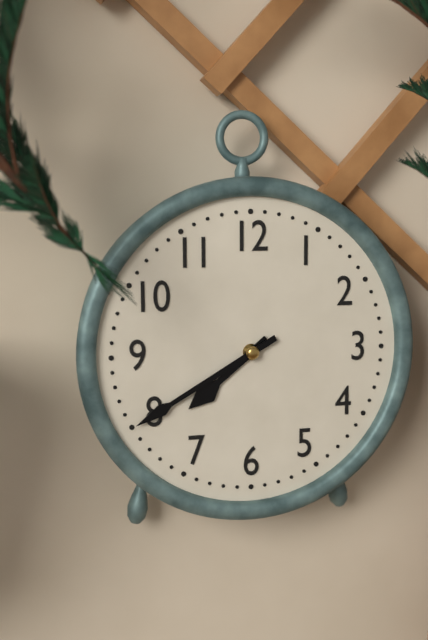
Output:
7 h 40 min
